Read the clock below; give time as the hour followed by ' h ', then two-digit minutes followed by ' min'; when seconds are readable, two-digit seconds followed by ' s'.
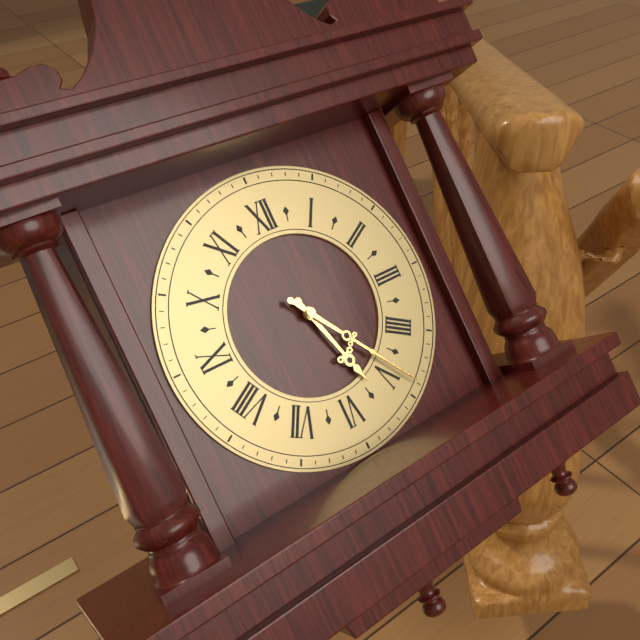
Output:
5 h 24 min
